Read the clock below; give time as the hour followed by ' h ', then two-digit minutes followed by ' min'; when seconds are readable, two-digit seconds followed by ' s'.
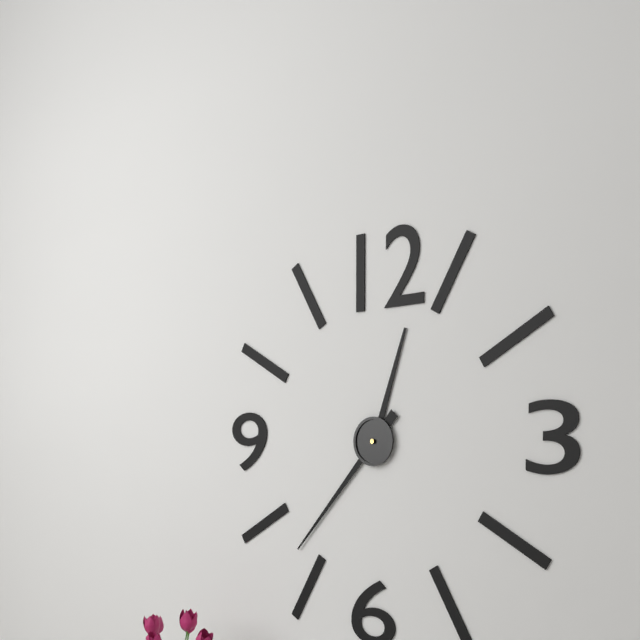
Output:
12 h 37 min
